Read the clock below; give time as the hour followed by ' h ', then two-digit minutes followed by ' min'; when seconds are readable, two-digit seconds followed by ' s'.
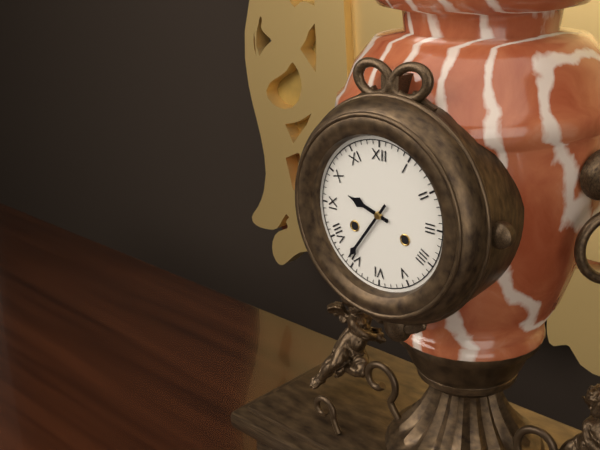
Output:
9 h 36 min
